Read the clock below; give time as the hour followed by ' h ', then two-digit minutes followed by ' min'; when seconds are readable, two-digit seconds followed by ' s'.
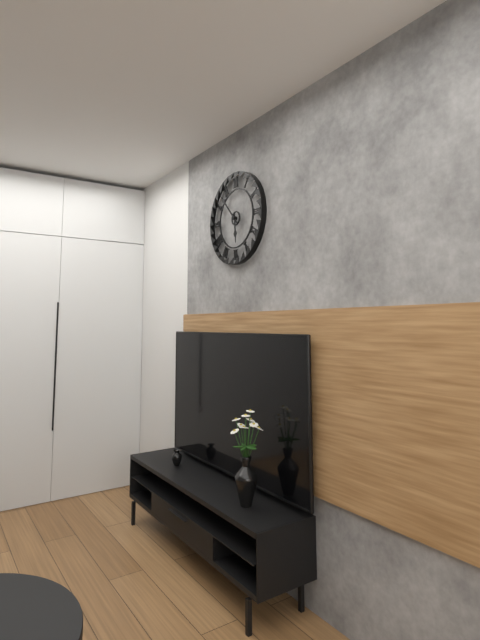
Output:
5 h 53 min
